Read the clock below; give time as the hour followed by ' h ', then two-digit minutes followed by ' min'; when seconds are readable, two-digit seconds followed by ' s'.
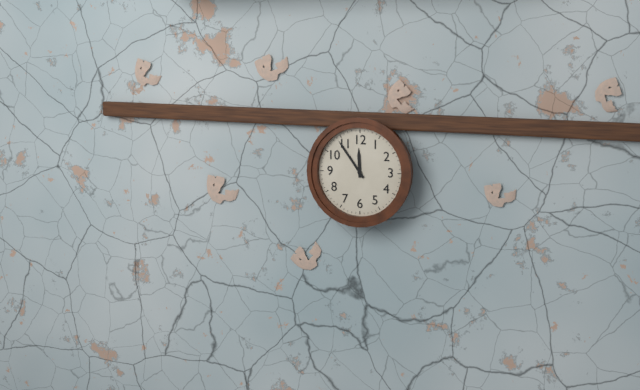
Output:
11 h 54 min
